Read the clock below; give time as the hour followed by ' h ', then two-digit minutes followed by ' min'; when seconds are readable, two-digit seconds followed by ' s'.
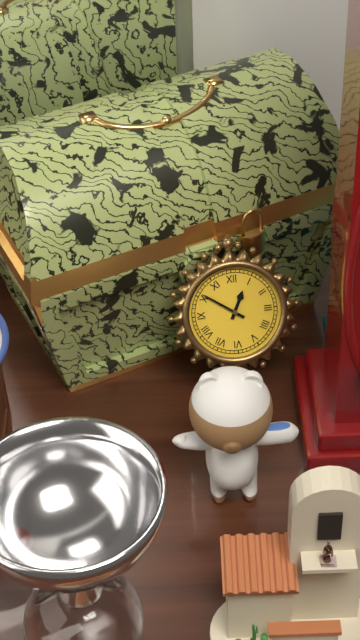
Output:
12 h 51 min
